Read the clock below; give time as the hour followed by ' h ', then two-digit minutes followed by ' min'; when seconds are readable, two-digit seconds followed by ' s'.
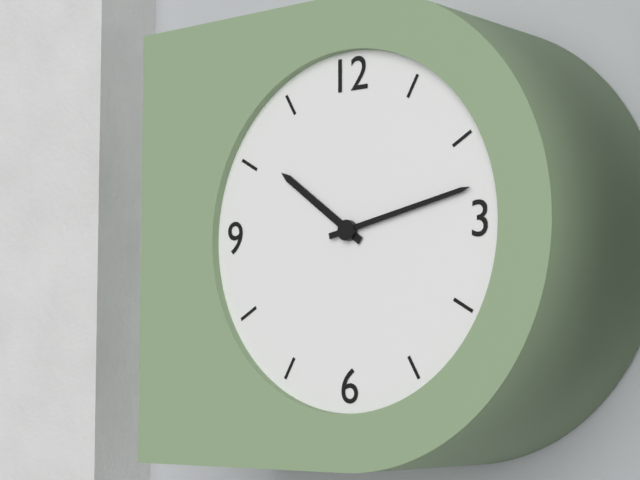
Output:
10 h 13 min
